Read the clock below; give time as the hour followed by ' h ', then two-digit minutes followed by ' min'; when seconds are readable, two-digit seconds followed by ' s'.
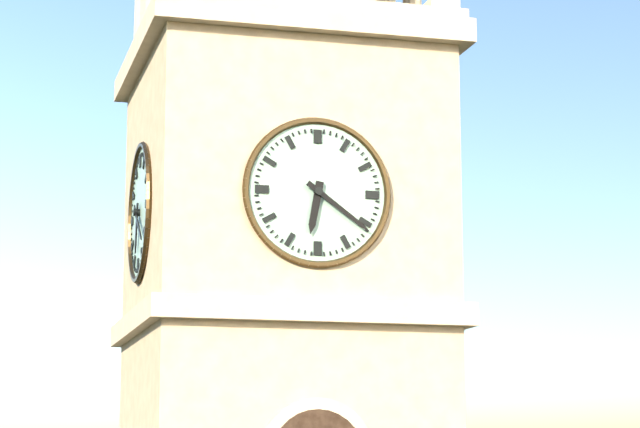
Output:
6 h 21 min
